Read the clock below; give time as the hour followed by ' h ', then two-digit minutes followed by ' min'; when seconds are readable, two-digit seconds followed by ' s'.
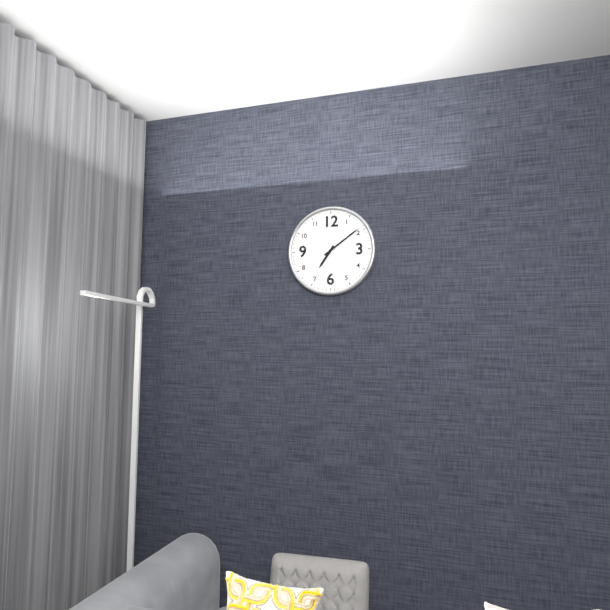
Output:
7 h 09 min
